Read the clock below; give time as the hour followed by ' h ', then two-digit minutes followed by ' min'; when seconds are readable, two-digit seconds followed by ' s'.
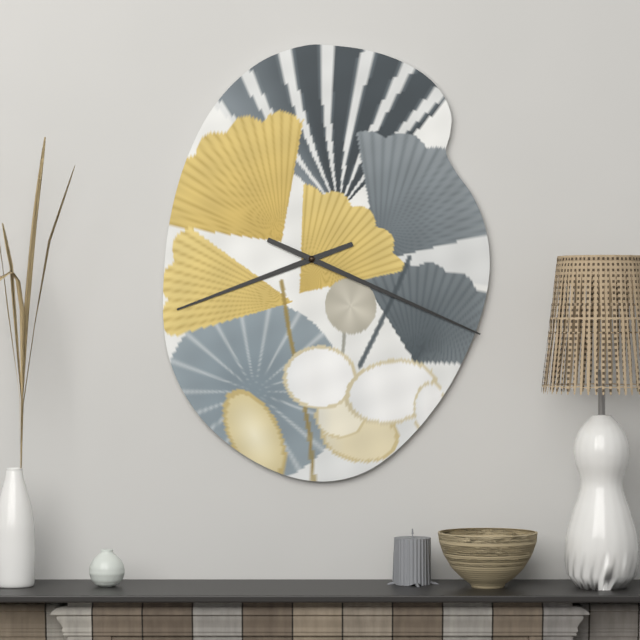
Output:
8 h 19 min
